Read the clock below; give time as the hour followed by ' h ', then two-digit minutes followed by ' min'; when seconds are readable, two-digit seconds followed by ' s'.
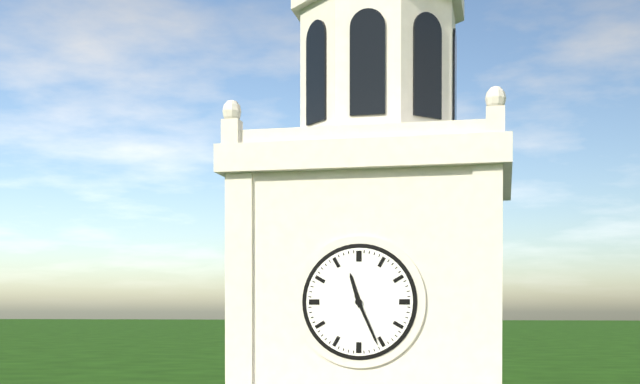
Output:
11 h 26 min
